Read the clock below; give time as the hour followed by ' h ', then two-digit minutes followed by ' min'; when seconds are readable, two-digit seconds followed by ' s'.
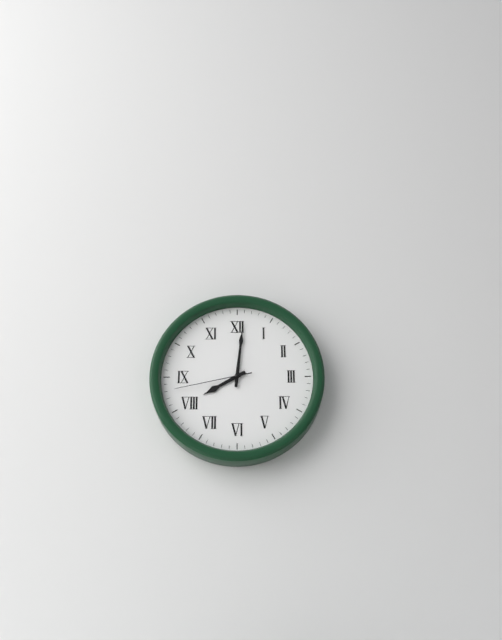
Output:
8 h 01 min 43 s
